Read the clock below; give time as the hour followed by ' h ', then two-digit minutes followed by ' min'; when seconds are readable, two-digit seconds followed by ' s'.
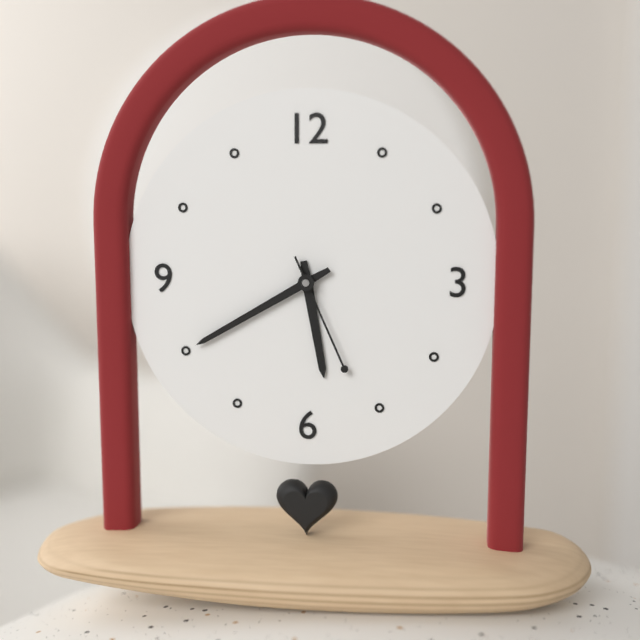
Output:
5 h 40 min 26 s
